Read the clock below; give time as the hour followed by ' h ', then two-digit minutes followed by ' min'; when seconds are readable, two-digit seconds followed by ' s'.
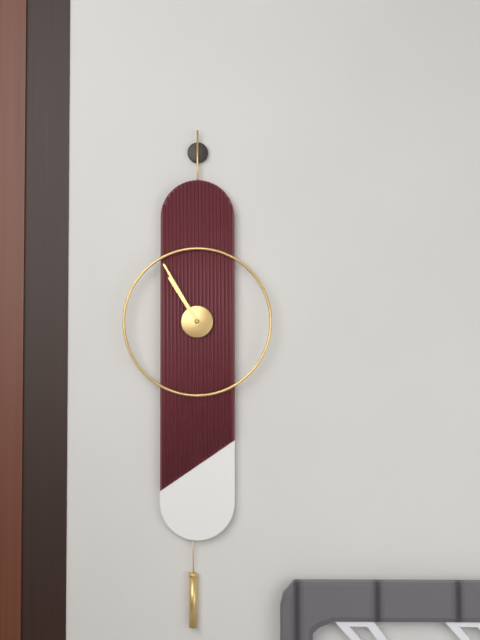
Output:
10 h 55 min
